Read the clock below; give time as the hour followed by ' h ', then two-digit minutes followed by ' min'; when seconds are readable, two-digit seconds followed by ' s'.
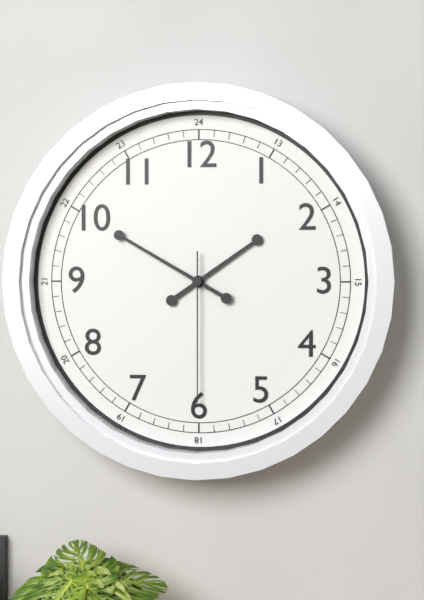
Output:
1 h 50 min 30 s
